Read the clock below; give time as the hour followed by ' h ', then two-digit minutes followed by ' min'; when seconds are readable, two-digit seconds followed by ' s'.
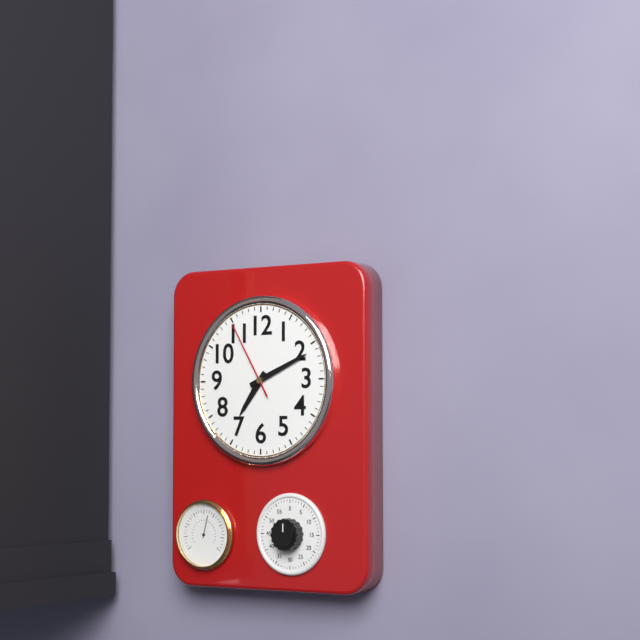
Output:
7 h 11 min 55 s
